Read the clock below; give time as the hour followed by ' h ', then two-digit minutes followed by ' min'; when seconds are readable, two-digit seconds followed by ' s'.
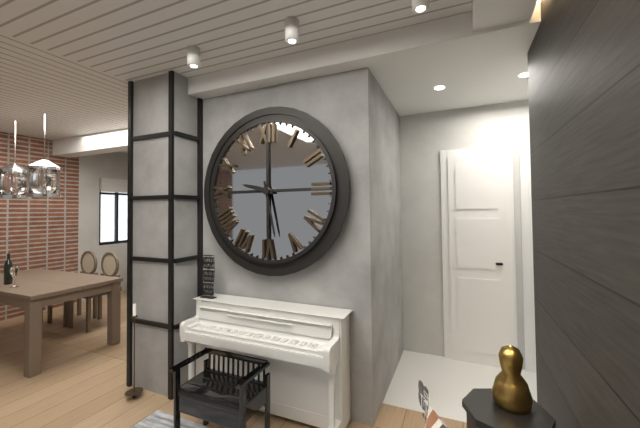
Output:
9 h 28 min
